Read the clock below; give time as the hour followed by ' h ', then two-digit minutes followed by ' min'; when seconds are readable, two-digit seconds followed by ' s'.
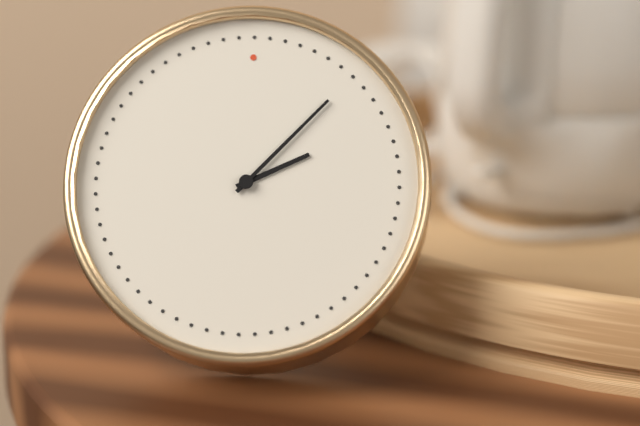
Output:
2 h 07 min
